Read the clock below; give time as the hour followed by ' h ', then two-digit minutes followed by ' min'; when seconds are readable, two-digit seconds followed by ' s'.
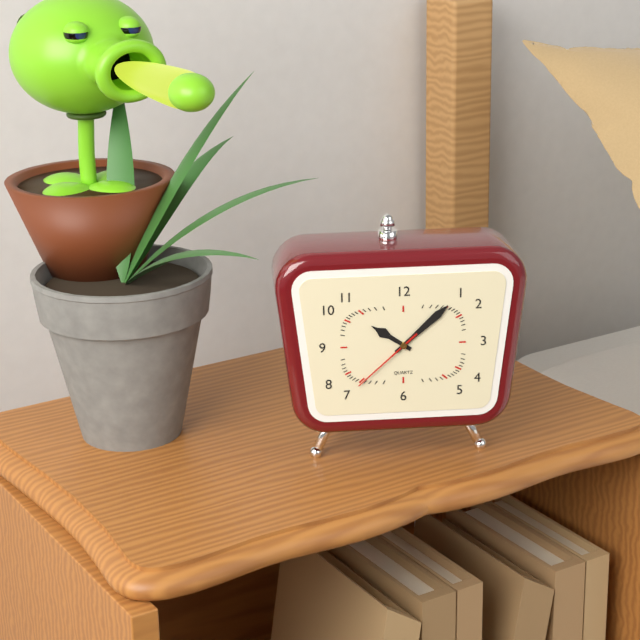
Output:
10 h 08 min 38 s
